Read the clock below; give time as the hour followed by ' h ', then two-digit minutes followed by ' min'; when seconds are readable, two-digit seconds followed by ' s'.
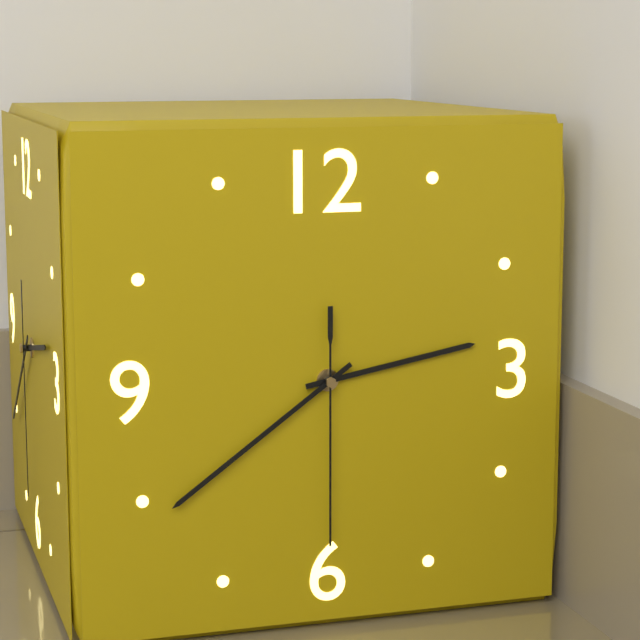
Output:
2 h 39 min 30 s
